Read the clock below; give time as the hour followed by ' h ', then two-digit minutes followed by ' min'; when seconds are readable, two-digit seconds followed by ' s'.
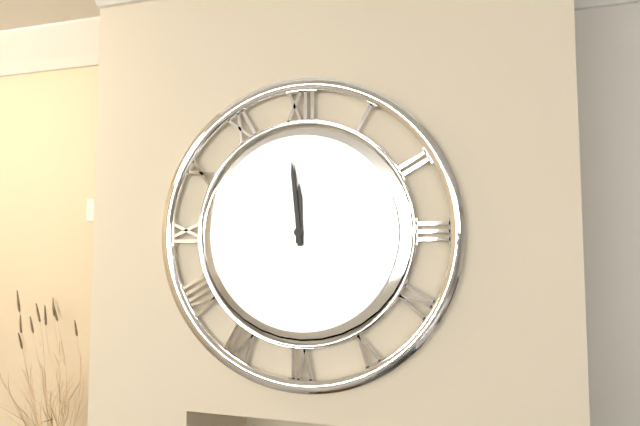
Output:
11 h 59 min
